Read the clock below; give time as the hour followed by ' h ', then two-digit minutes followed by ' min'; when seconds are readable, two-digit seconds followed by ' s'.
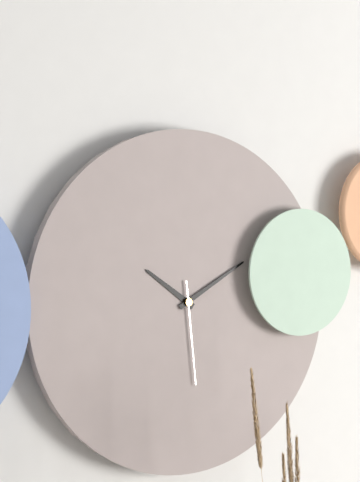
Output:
10 h 10 min 29 s
